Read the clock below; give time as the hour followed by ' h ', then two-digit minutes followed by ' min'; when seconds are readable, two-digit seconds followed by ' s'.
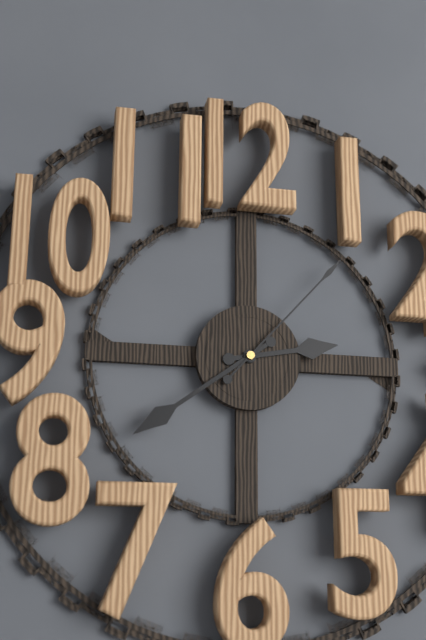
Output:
2 h 39 min 07 s
